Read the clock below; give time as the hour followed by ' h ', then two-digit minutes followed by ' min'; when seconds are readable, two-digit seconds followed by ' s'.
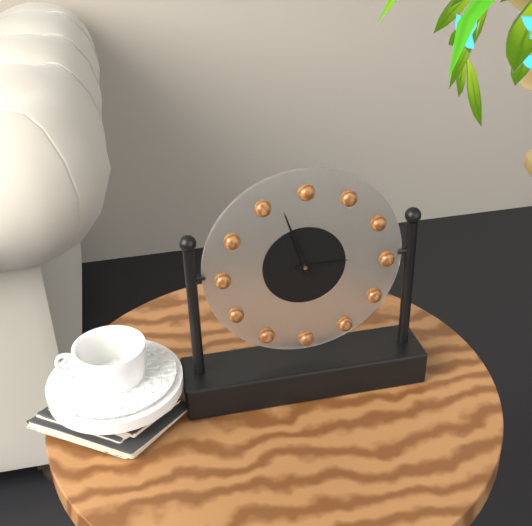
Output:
2 h 57 min
